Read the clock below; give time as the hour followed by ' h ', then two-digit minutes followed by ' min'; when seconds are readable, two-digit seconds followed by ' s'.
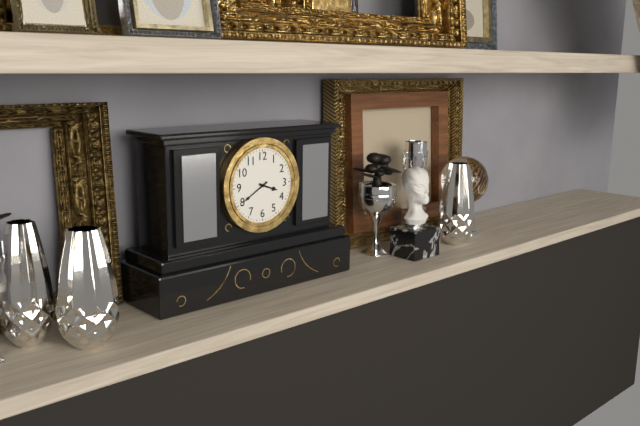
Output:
3 h 40 min
